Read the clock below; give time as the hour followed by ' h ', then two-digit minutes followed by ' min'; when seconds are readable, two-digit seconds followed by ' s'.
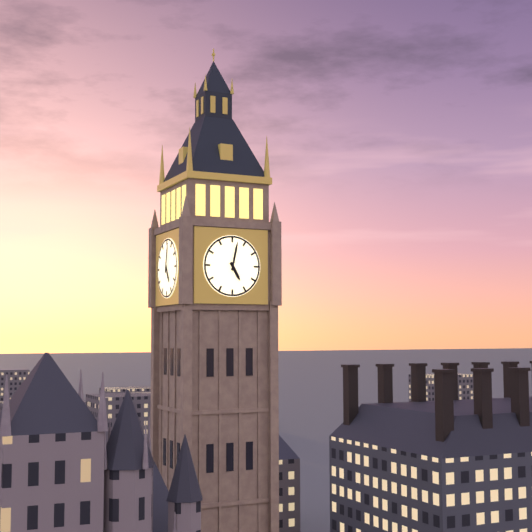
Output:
5 h 02 min
